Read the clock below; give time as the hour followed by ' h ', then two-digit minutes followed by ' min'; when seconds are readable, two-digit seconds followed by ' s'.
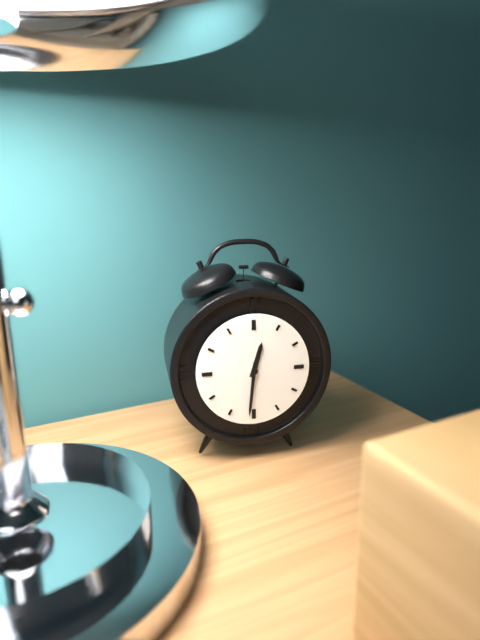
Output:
12 h 31 min
